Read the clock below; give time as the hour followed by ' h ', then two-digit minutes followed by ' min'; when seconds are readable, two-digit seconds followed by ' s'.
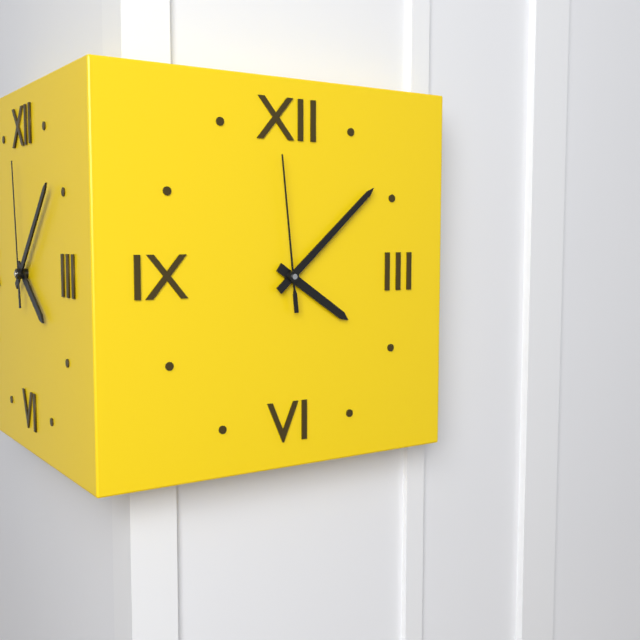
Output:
4 h 08 min 59 s
